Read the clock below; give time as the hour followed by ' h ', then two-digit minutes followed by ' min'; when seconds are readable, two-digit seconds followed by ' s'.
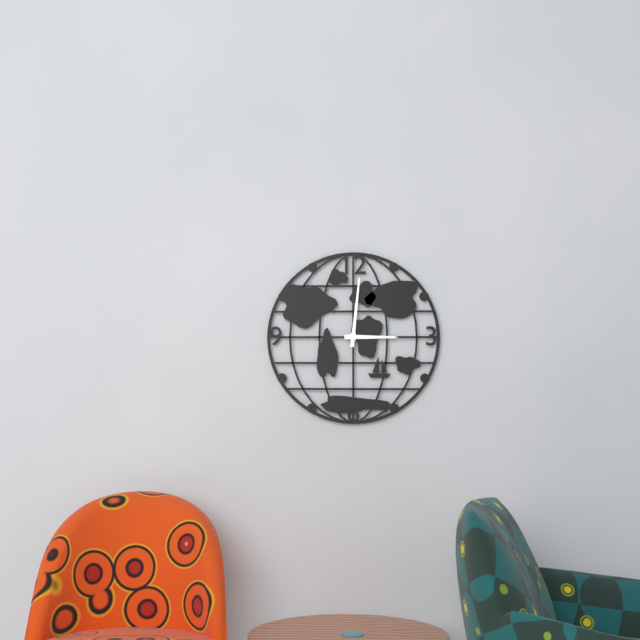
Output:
3 h 01 min
